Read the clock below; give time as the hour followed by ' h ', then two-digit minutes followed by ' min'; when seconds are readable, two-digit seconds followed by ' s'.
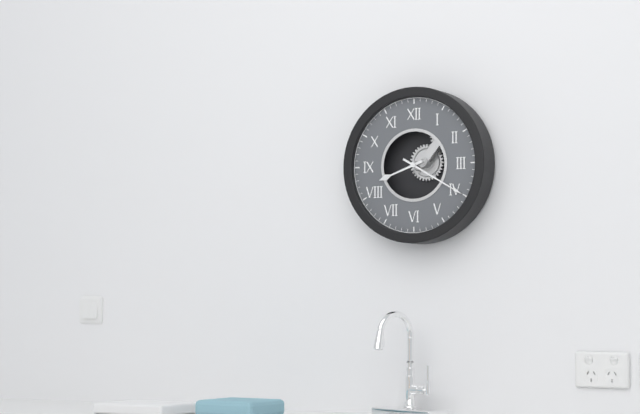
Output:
8 h 20 min
